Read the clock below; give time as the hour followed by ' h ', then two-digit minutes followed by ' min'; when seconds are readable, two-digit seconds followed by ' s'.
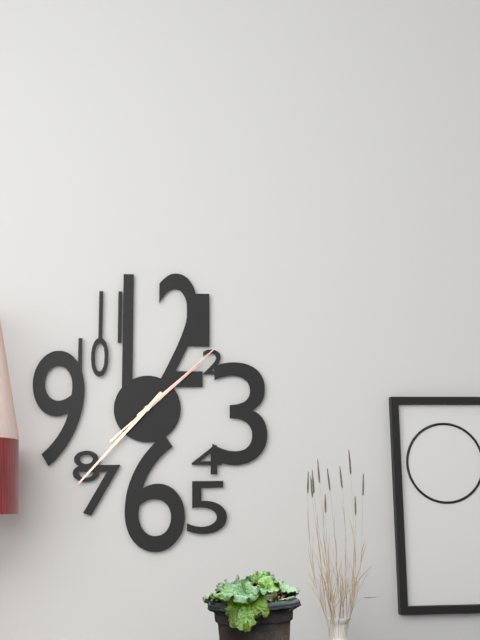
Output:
1 h 37 min 08 s
